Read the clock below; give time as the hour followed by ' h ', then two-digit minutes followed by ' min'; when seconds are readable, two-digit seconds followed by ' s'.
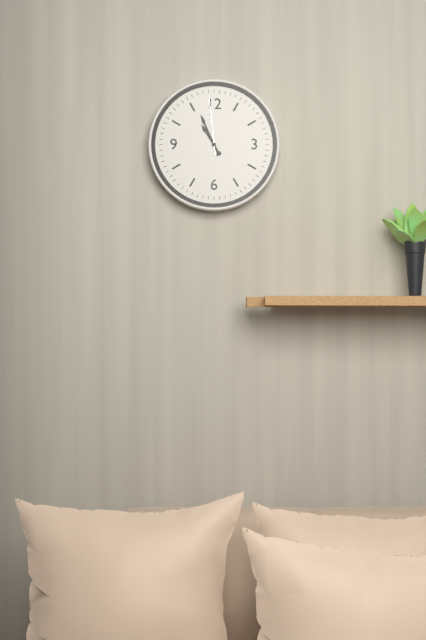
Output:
10 h 56 min 59 s
